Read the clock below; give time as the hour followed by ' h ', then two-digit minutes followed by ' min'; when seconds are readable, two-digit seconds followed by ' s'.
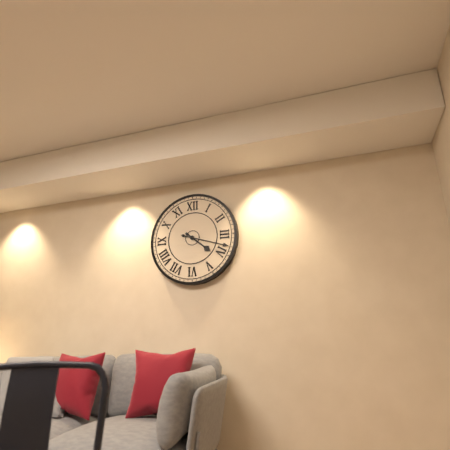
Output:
4 h 18 min
